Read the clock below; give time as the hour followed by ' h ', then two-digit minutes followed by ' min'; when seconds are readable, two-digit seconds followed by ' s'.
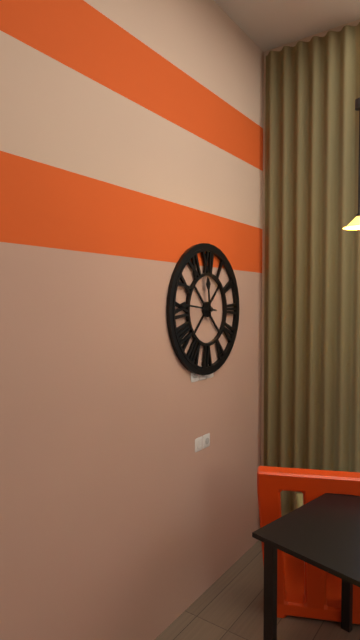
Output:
11 h 46 min
